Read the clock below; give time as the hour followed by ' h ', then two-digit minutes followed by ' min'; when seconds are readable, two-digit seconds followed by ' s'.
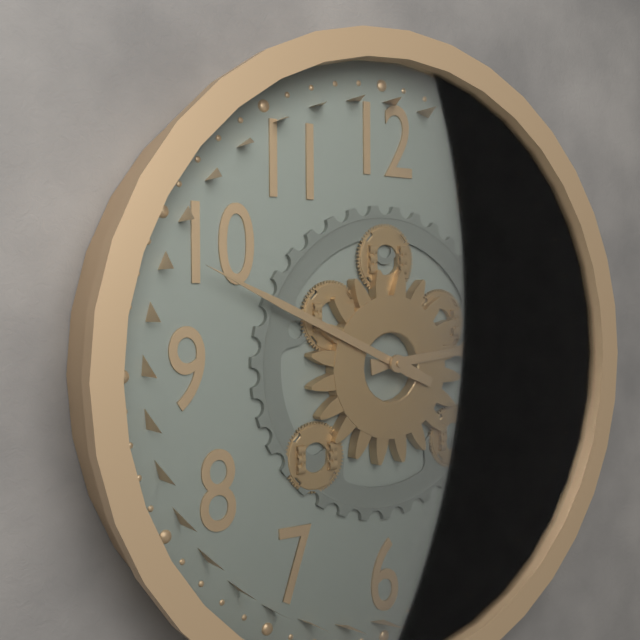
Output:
2 h 49 min
